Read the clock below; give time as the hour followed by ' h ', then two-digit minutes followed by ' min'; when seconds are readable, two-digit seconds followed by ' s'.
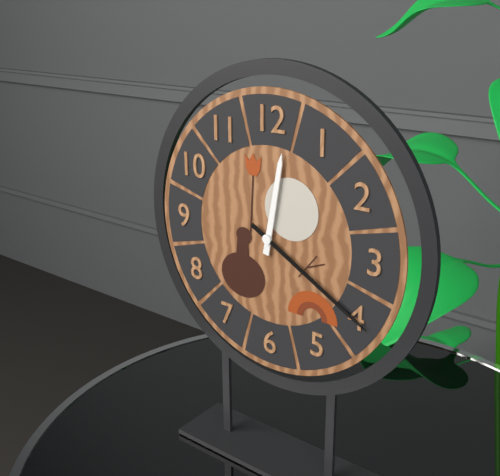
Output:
12 h 20 min
